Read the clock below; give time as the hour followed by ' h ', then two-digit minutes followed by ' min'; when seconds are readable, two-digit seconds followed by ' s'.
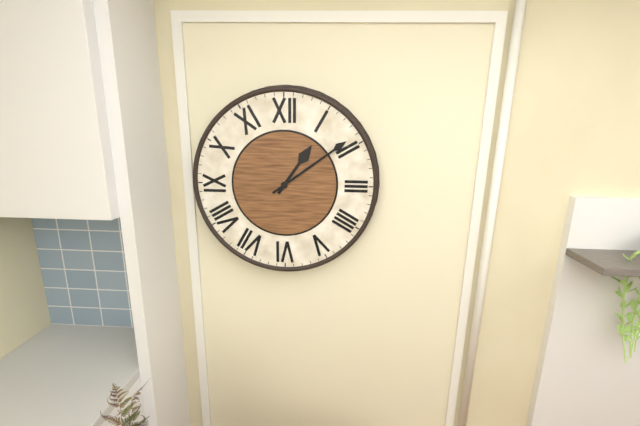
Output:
1 h 09 min
